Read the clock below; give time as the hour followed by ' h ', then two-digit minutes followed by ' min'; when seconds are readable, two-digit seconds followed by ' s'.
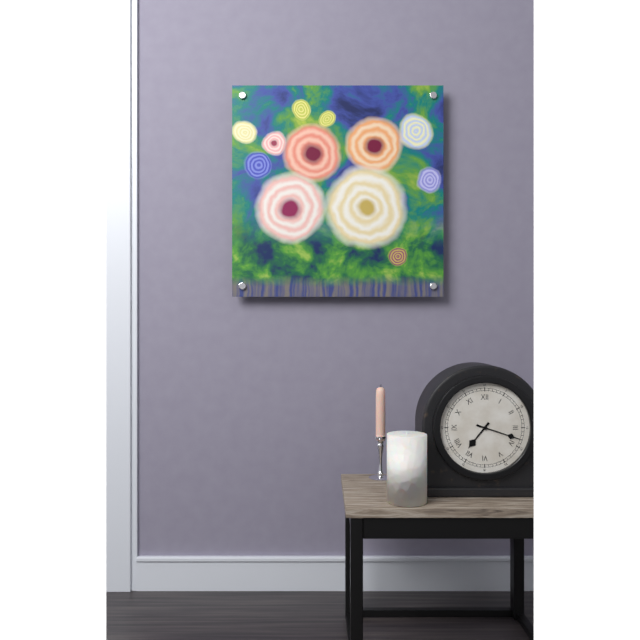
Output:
7 h 18 min
